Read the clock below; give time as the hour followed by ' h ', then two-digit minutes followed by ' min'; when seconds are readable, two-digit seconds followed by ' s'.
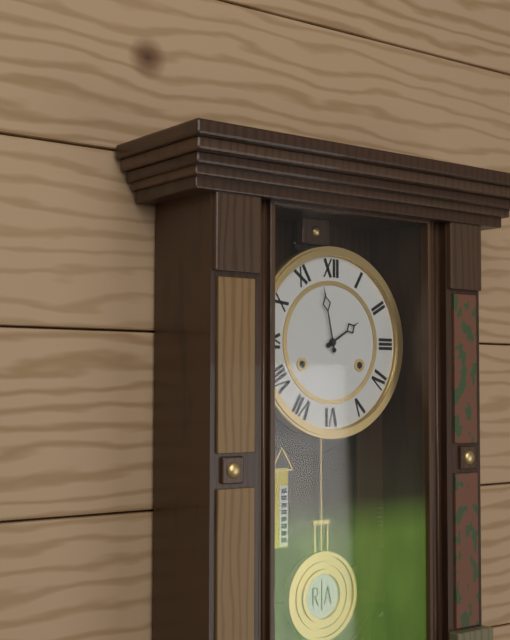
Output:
1 h 58 min
